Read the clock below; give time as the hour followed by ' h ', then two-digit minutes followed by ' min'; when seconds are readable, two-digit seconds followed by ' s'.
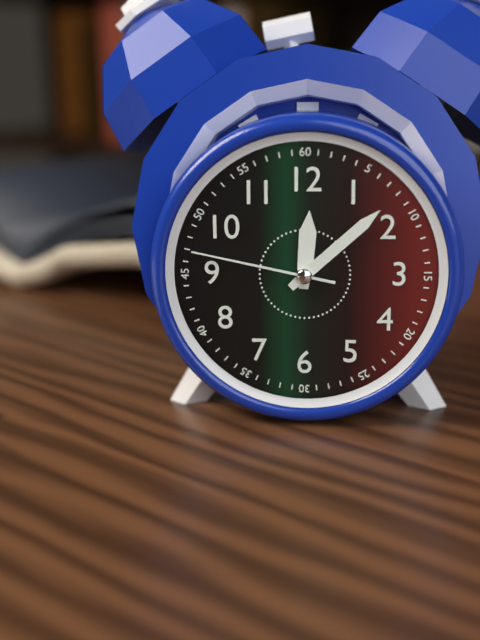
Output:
12 h 08 min 47 s
